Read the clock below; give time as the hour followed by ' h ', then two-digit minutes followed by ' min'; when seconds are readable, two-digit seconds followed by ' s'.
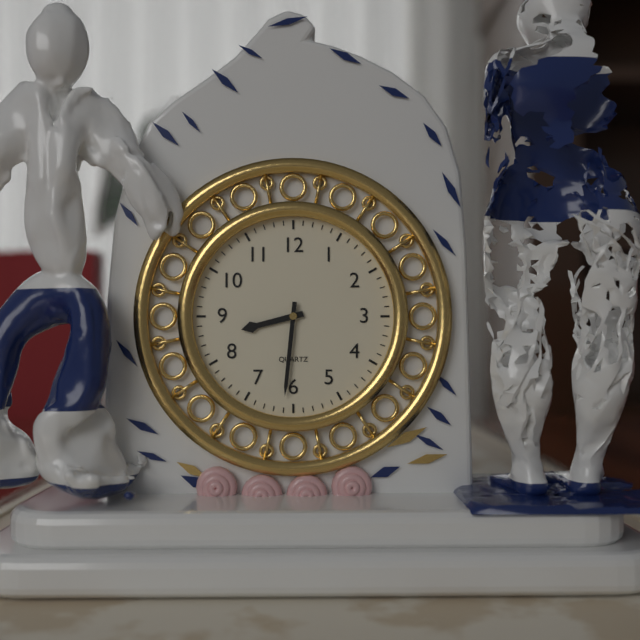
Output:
8 h 31 min
